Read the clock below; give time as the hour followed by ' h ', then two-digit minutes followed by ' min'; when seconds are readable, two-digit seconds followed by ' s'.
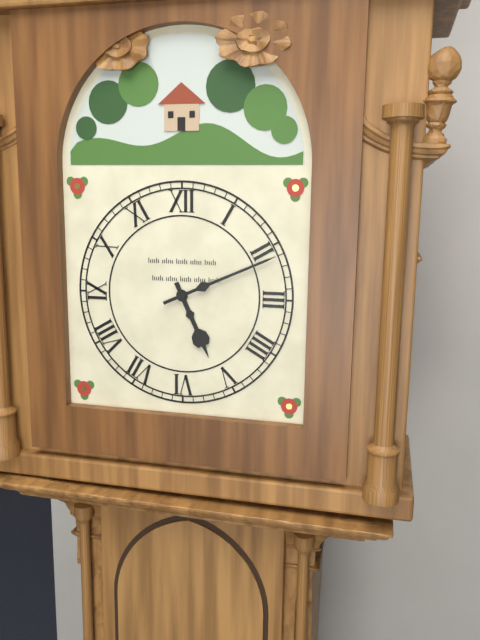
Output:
5 h 11 min
